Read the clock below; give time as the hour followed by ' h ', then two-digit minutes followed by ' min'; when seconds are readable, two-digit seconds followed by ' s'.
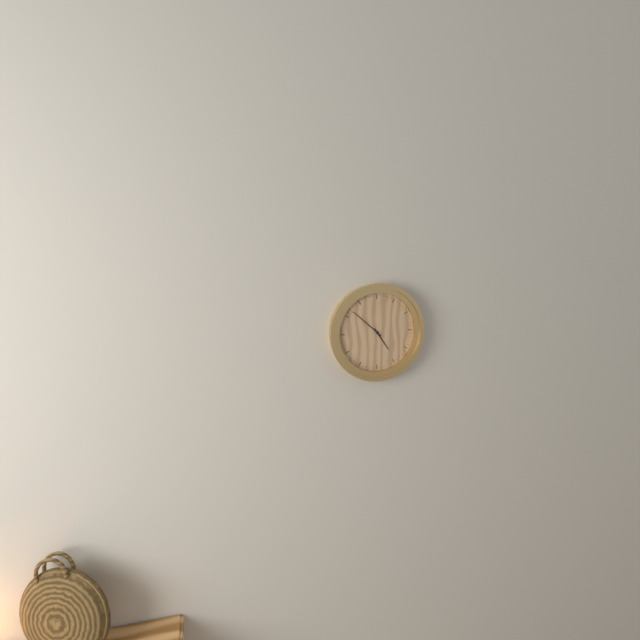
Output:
4 h 52 min
